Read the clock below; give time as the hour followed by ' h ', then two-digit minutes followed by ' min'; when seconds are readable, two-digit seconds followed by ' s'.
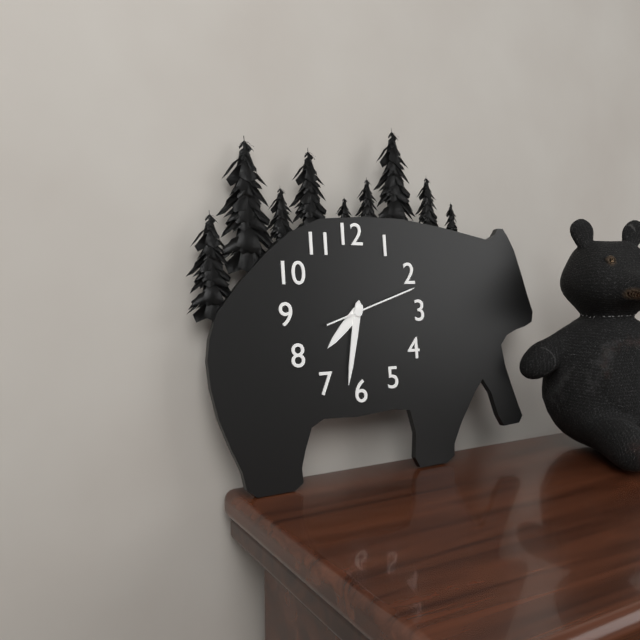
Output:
7 h 32 min 12 s
